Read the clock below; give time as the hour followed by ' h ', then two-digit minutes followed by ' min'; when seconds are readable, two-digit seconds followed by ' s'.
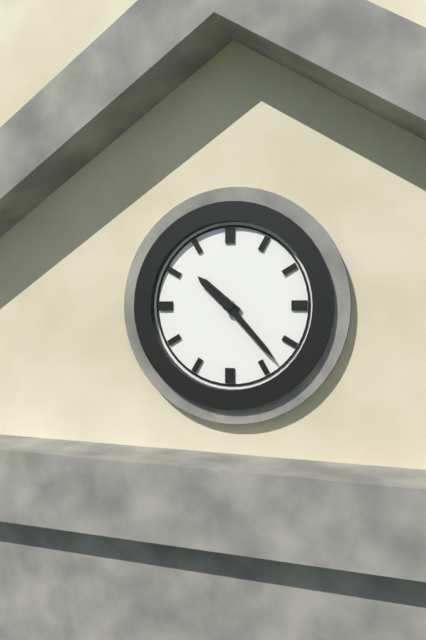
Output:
10 h 23 min
